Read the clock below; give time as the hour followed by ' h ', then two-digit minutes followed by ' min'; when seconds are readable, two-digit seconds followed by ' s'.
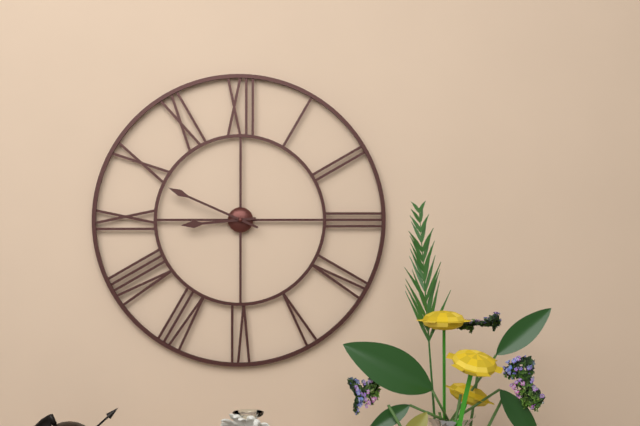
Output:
8 h 49 min
